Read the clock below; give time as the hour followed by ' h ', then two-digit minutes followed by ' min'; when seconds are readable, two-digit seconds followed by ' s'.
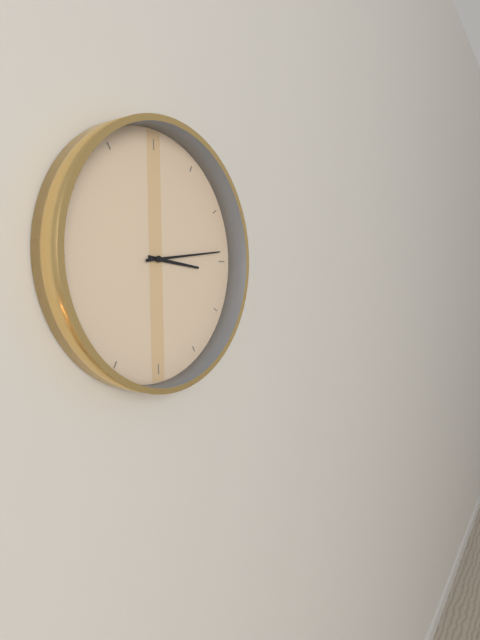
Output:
3 h 14 min
